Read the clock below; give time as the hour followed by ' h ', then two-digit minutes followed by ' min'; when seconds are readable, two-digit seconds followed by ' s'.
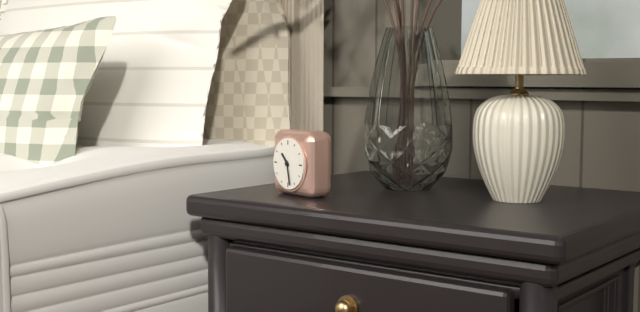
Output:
10 h 28 min
